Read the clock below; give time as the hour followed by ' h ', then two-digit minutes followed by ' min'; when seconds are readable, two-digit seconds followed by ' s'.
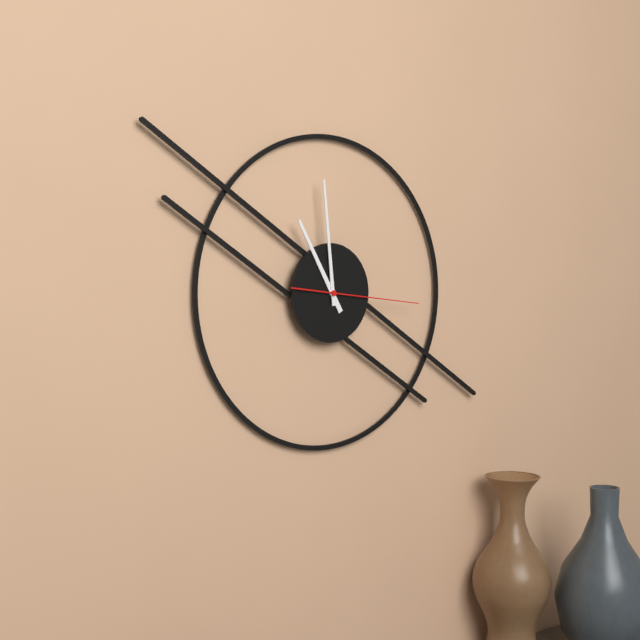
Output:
10 h 59 min 16 s
